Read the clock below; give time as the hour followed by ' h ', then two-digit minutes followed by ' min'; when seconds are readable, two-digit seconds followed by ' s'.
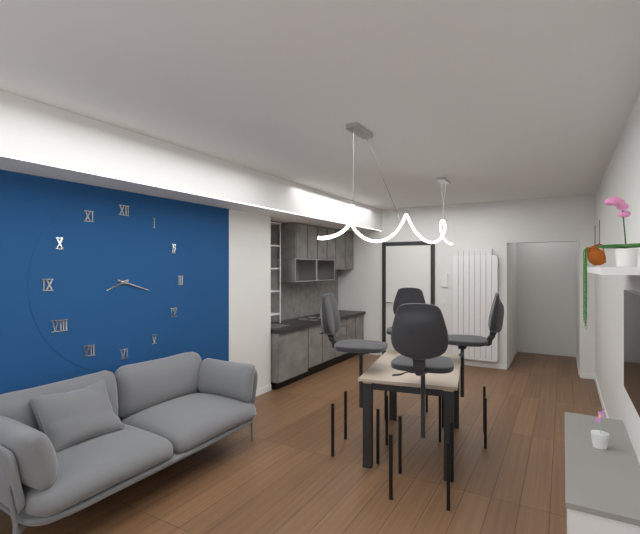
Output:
8 h 18 min
